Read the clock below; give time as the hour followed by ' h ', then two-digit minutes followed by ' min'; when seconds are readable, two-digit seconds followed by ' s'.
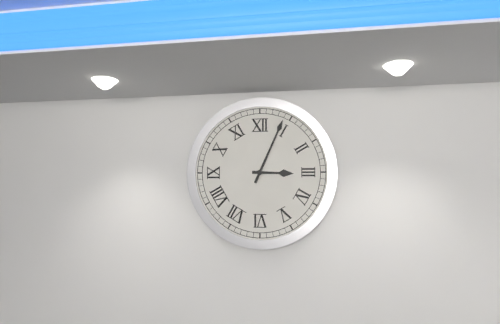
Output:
3 h 04 min
